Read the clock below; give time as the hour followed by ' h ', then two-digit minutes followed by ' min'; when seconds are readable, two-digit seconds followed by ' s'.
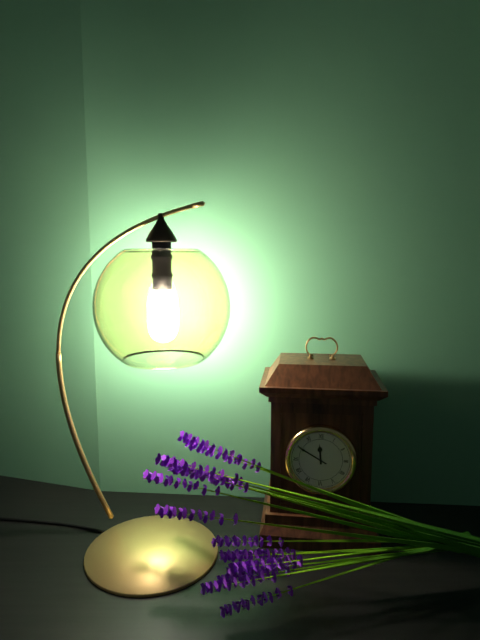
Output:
11 h 50 min
